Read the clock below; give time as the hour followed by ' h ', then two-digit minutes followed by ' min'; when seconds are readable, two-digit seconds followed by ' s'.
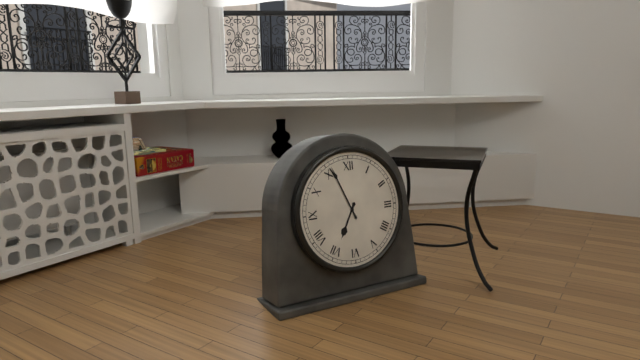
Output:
6 h 56 min
